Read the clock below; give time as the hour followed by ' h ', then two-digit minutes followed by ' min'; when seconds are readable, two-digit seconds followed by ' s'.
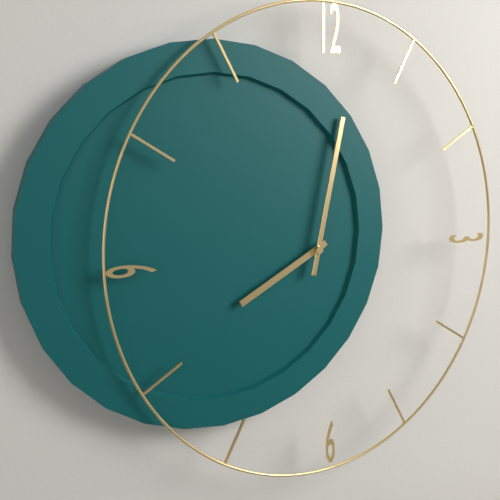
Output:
8 h 02 min
